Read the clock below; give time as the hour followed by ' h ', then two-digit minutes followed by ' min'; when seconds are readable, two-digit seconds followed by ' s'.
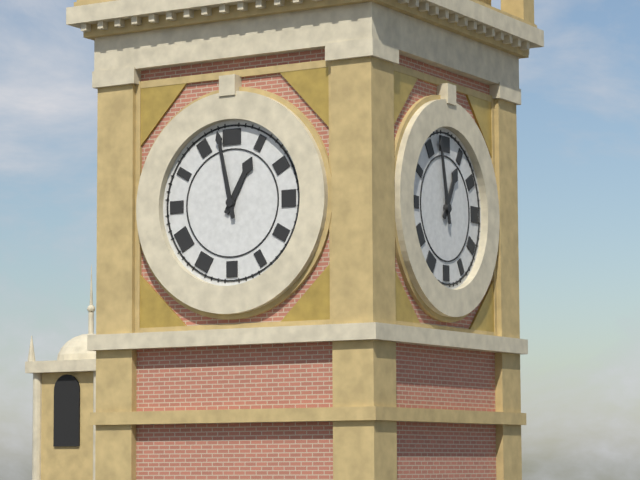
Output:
12 h 58 min
